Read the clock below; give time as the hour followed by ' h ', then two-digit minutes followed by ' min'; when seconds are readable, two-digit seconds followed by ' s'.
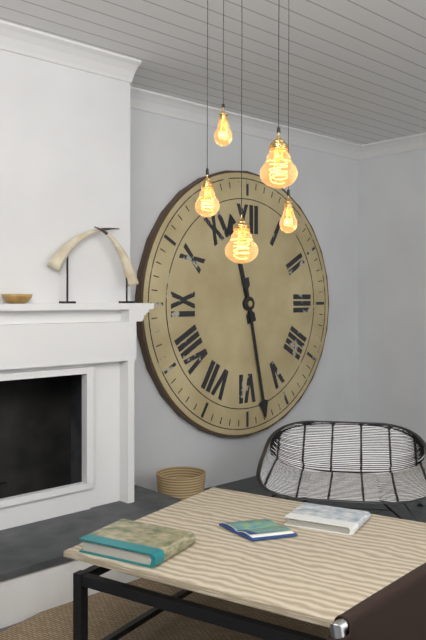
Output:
11 h 28 min
